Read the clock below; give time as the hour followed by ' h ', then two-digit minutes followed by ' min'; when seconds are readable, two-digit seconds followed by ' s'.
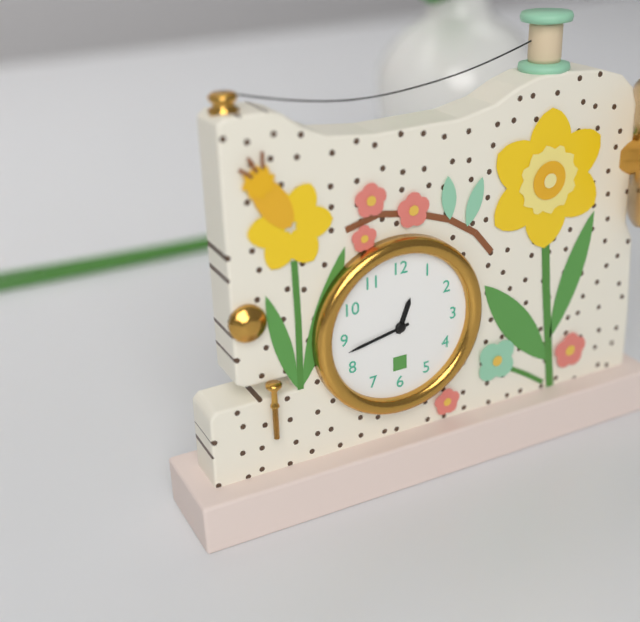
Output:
12 h 43 min
